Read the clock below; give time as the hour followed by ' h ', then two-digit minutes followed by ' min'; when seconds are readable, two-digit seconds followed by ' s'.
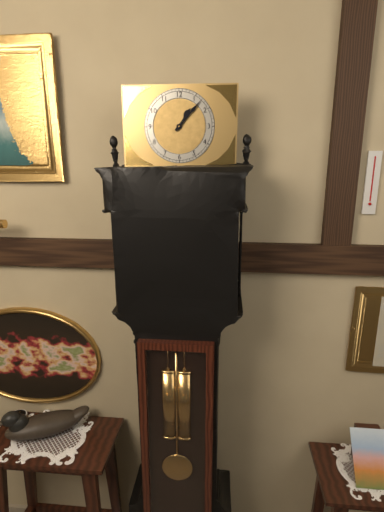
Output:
1 h 07 min
